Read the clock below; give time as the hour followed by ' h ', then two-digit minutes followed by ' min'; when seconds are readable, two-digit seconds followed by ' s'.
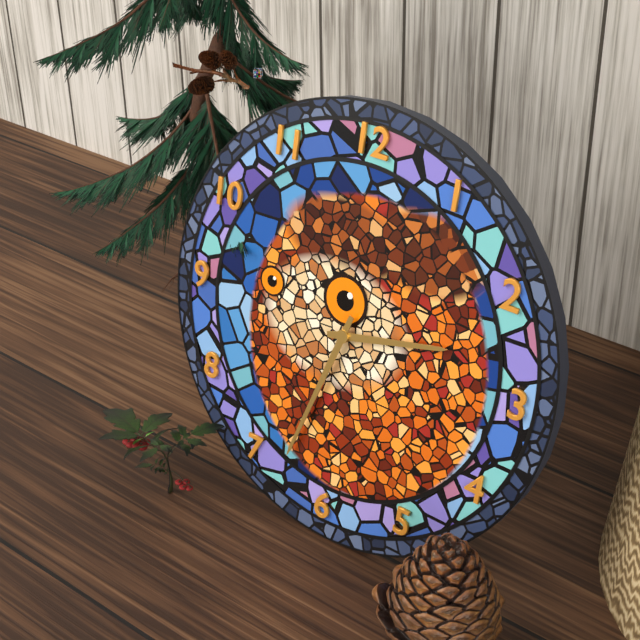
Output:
2 h 33 min
